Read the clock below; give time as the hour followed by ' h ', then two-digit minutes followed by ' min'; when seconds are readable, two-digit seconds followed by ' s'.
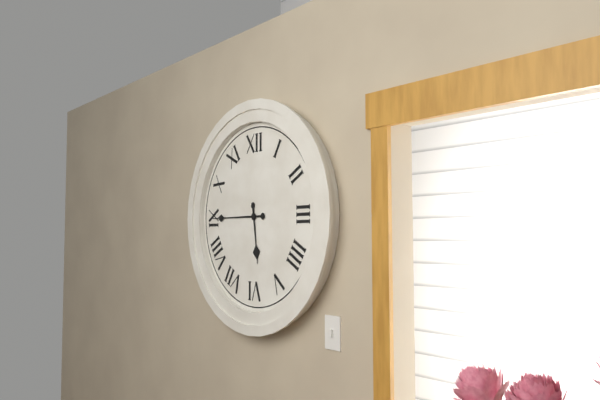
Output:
5 h 45 min
